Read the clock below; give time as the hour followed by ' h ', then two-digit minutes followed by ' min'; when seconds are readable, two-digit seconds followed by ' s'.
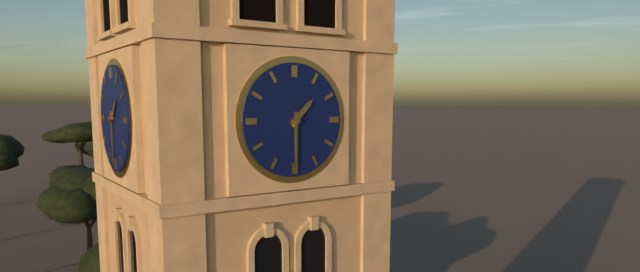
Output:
1 h 30 min
